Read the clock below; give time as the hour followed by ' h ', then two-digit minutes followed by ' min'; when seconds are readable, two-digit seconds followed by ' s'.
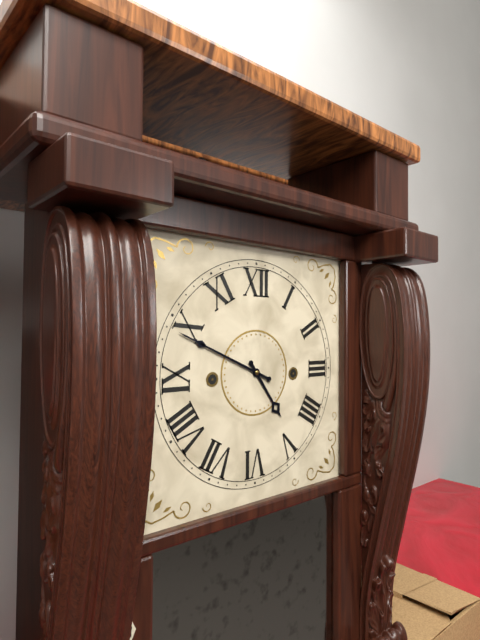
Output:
4 h 49 min
